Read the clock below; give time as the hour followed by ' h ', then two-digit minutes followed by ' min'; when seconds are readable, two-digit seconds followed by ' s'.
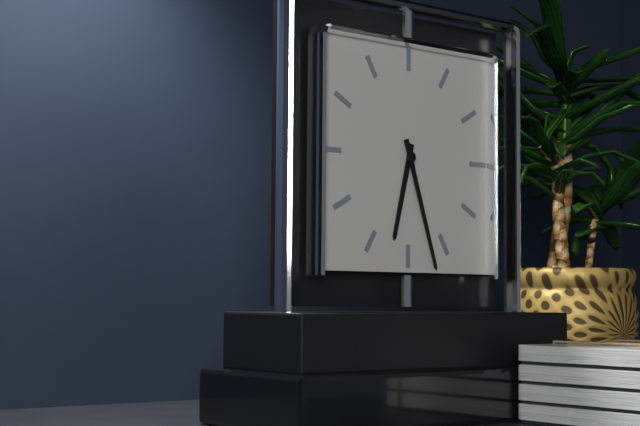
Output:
6 h 27 min
